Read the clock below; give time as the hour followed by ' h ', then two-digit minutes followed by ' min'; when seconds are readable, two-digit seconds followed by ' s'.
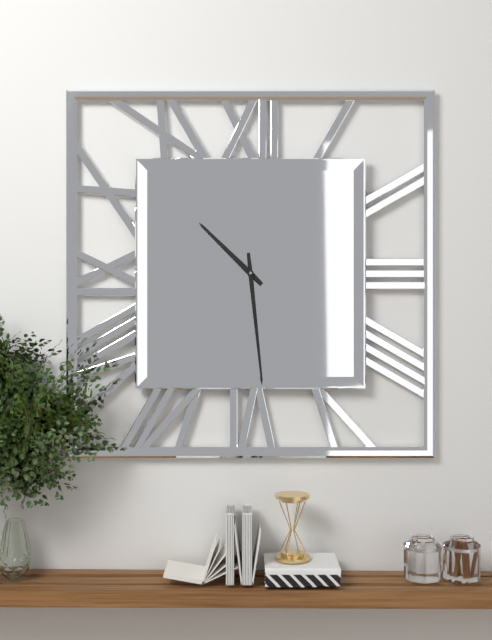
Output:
10 h 29 min
